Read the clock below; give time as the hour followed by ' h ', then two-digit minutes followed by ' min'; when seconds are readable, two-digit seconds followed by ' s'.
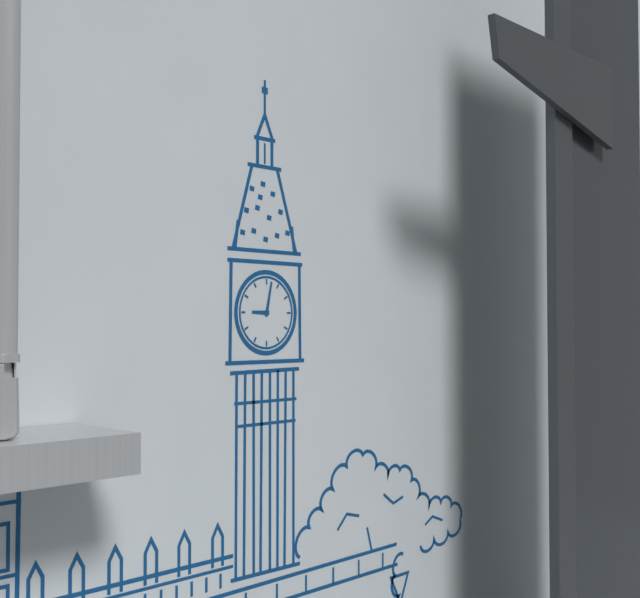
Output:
9 h 02 min
